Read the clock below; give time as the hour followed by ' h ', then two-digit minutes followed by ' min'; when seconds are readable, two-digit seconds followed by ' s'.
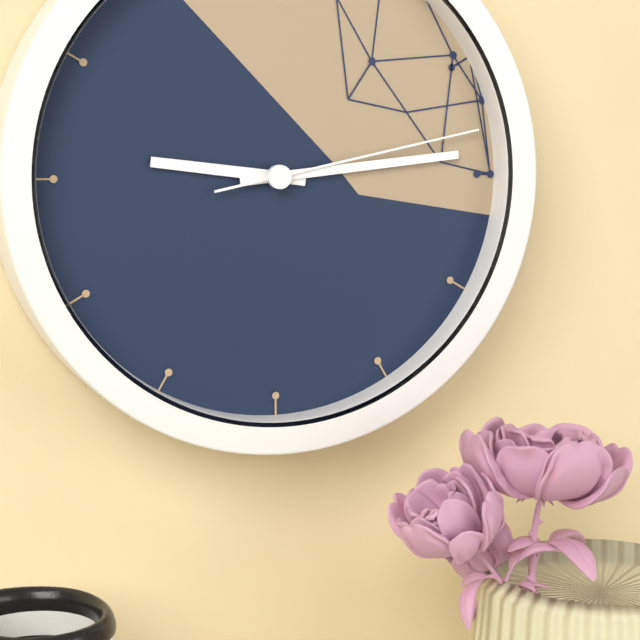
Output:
9 h 14 min 13 s
